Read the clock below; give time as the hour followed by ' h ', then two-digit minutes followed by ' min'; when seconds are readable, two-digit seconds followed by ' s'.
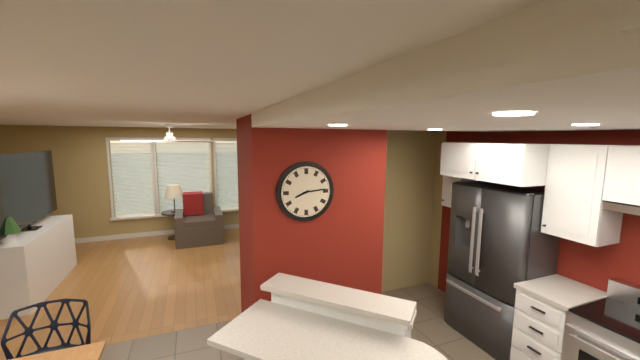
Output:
8 h 14 min
